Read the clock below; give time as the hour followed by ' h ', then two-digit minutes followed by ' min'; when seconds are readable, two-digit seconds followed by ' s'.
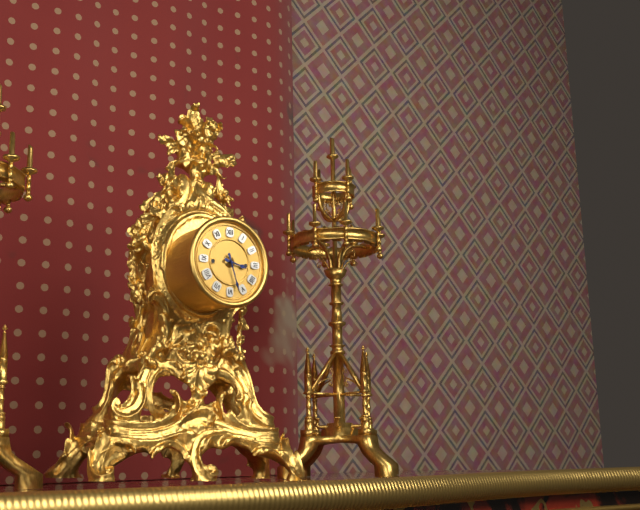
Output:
3 h 27 min
